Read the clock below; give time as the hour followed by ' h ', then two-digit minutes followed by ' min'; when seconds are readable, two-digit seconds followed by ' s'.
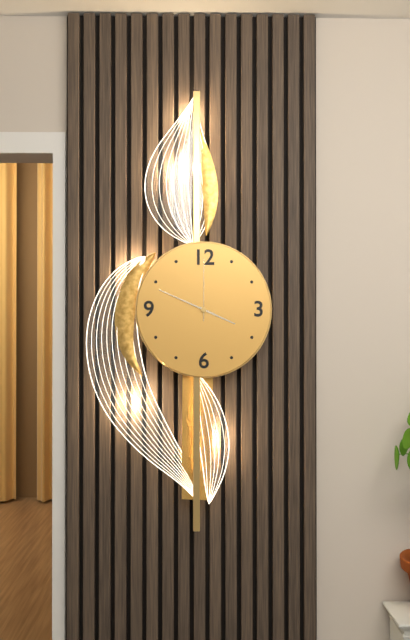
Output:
3 h 49 min 00 s
